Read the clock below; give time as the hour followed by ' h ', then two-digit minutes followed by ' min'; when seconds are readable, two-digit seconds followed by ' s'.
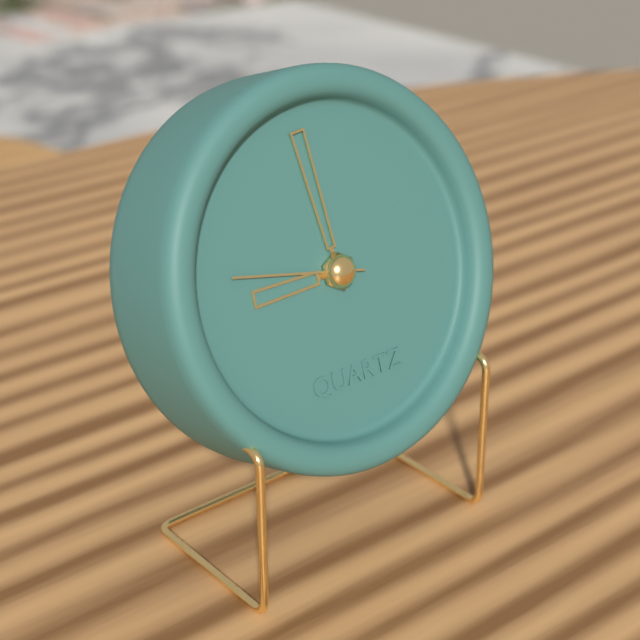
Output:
8 h 59 min 47 s
